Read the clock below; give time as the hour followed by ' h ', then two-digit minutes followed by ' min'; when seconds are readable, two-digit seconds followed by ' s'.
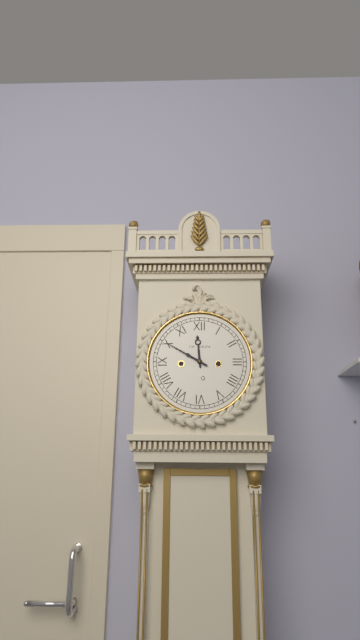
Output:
11 h 50 min
